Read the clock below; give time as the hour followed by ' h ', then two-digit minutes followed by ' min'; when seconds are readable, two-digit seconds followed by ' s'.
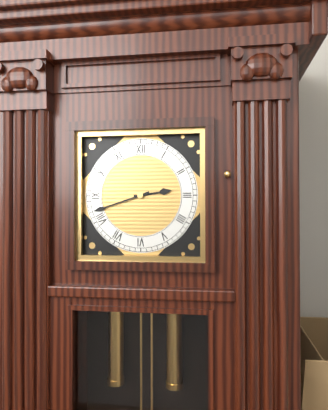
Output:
2 h 42 min
